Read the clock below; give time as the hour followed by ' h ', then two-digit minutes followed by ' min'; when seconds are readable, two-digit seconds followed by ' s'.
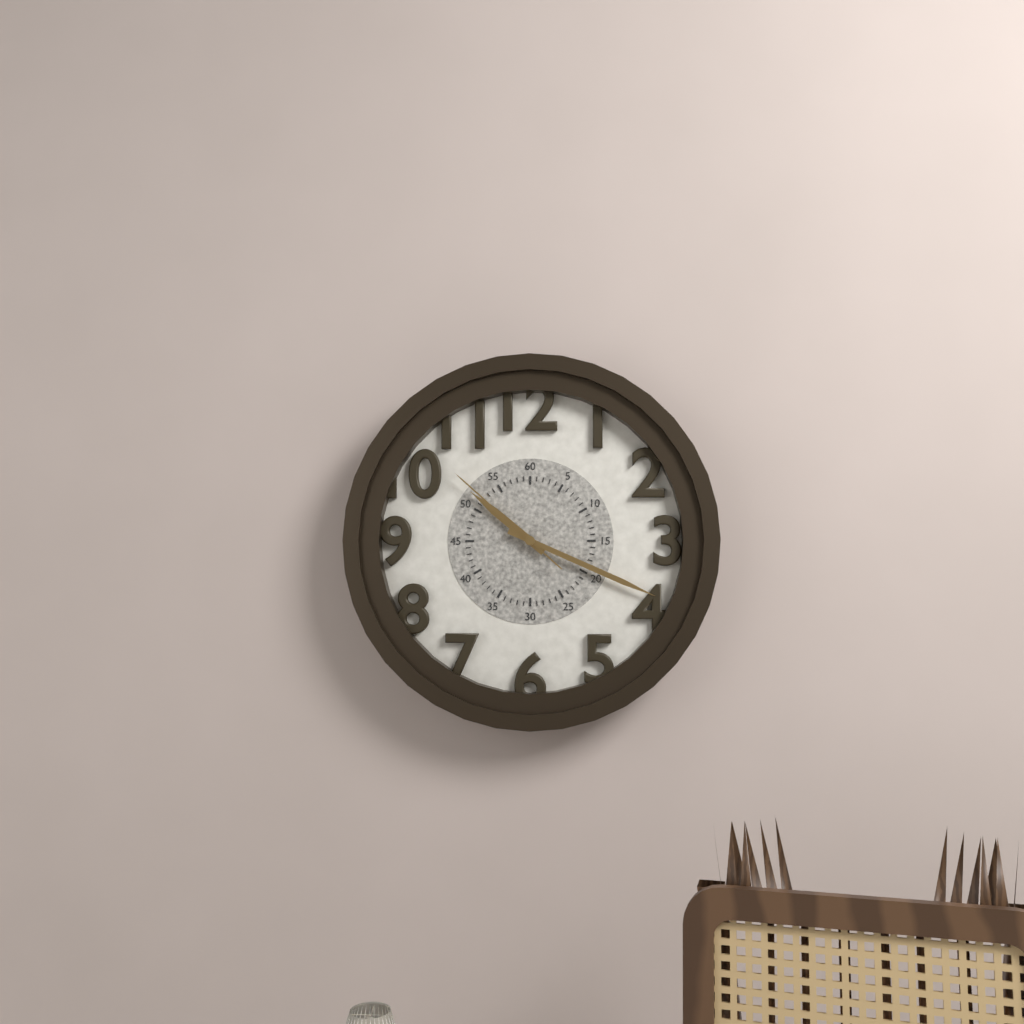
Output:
10 h 19 min 52 s
